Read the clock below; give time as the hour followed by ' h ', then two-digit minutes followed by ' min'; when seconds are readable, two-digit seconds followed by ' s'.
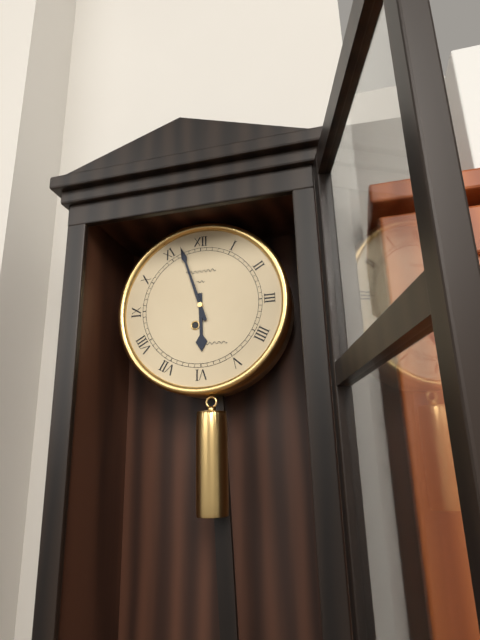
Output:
5 h 57 min
